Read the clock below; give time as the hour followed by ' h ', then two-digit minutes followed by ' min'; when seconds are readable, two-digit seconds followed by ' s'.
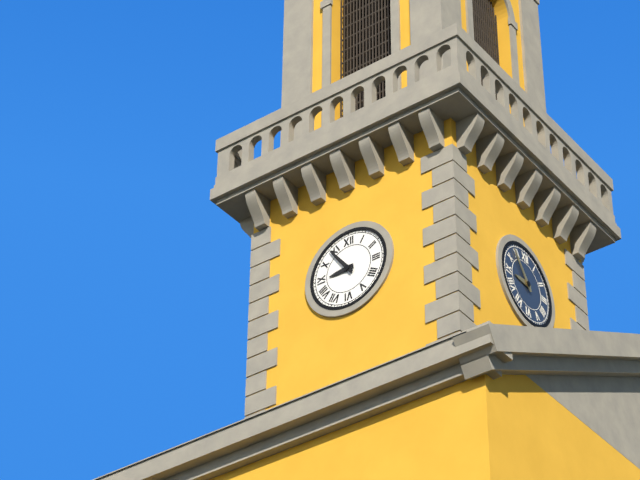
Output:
8 h 54 min
